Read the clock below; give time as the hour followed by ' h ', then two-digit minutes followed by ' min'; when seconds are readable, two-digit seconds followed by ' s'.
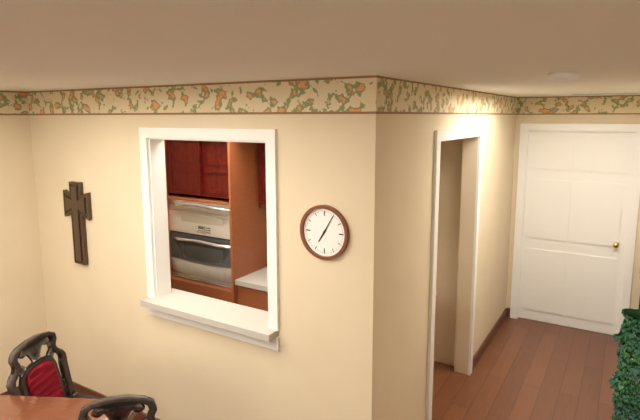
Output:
7 h 05 min
